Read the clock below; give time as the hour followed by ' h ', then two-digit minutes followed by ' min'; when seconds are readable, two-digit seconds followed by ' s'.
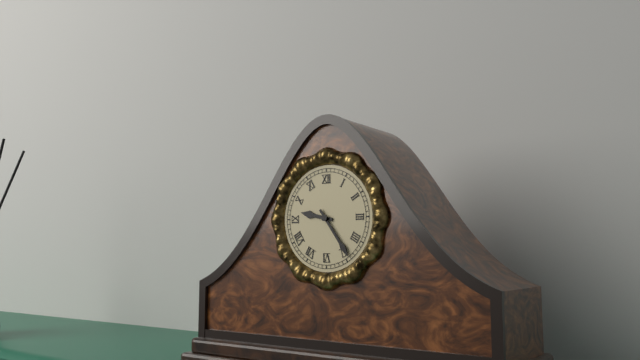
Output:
9 h 24 min
